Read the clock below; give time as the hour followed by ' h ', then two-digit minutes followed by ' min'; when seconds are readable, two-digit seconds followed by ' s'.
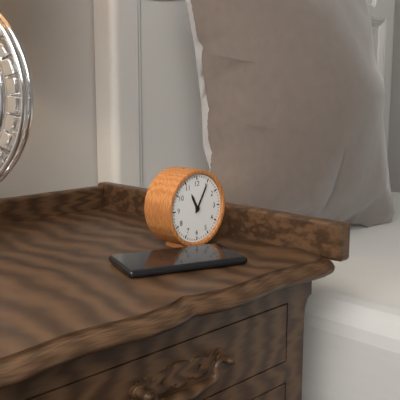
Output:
11 h 05 min
